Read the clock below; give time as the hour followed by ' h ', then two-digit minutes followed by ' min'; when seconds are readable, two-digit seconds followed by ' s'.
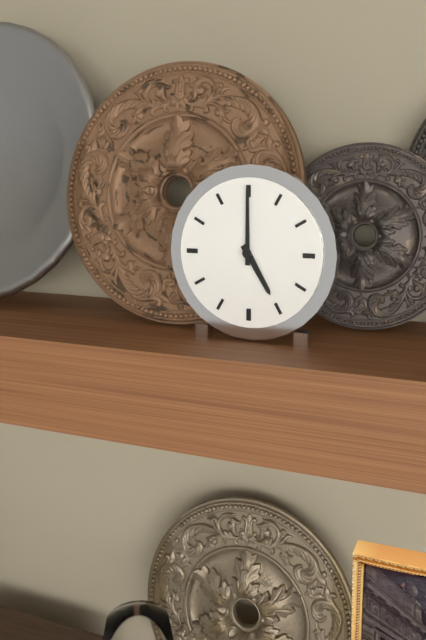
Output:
5 h 00 min
